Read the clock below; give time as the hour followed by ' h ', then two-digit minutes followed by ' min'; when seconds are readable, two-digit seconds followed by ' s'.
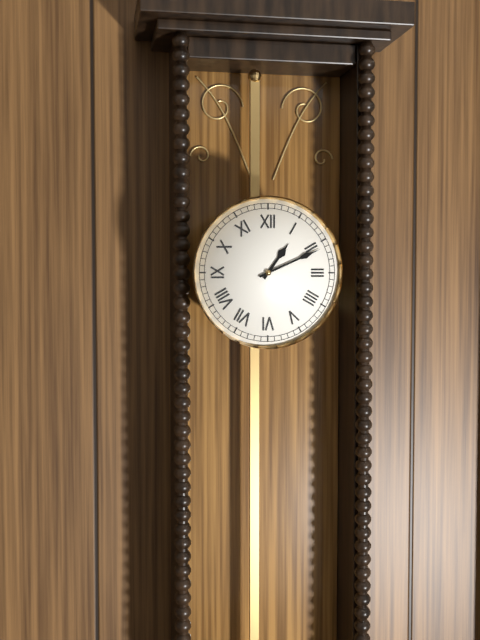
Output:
1 h 11 min
